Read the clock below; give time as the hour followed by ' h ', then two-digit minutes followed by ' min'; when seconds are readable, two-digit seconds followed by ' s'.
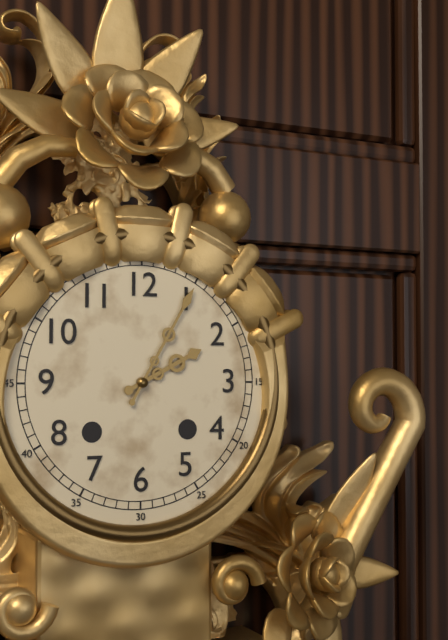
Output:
2 h 05 min
